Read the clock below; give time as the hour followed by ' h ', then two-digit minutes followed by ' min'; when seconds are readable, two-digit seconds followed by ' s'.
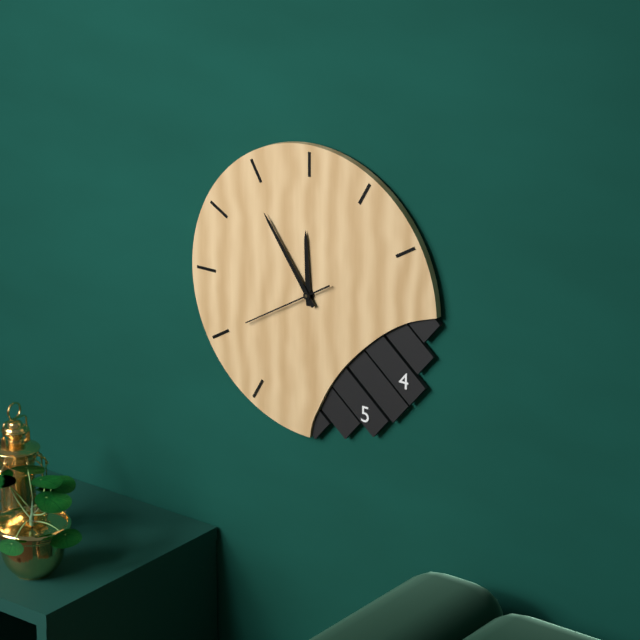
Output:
11 h 54 min 40 s
